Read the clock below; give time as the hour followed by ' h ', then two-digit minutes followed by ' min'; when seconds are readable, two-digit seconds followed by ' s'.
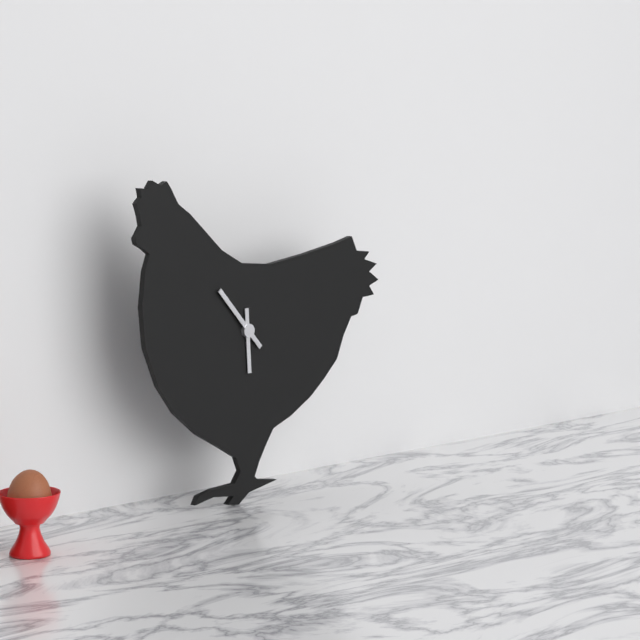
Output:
5 h 53 min
